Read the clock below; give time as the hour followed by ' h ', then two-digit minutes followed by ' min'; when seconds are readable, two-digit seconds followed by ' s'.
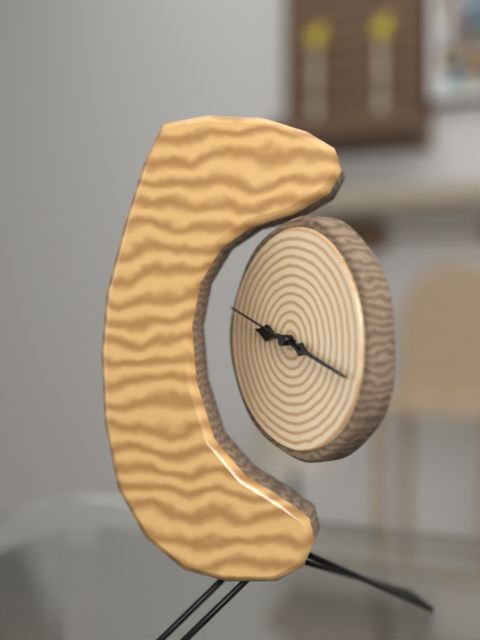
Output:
9 h 18 min 48 s
